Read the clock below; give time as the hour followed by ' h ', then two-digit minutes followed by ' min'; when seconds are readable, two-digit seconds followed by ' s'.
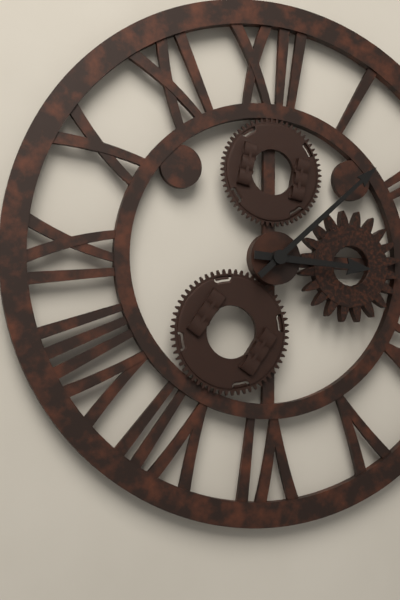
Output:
3 h 08 min
